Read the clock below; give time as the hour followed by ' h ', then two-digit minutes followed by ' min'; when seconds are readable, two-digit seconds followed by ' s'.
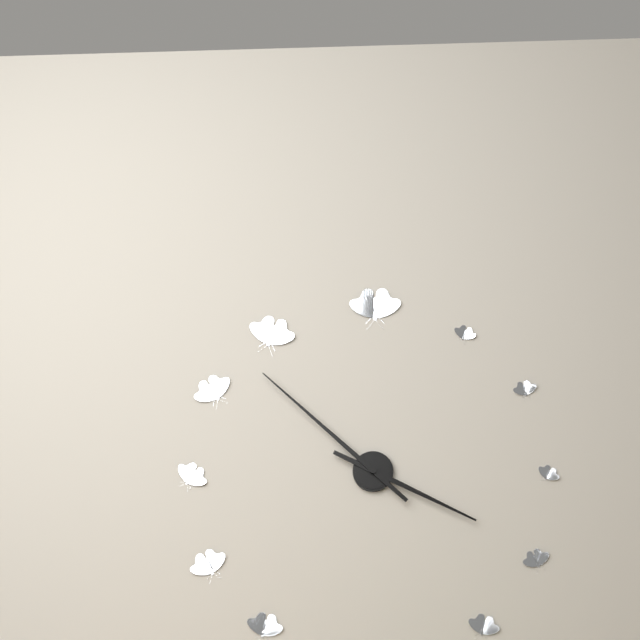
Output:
3 h 52 min
